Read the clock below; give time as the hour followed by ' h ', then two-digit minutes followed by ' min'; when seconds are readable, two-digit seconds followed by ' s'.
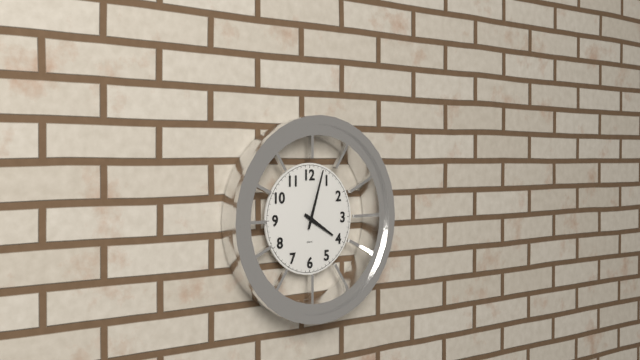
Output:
4 h 03 min
